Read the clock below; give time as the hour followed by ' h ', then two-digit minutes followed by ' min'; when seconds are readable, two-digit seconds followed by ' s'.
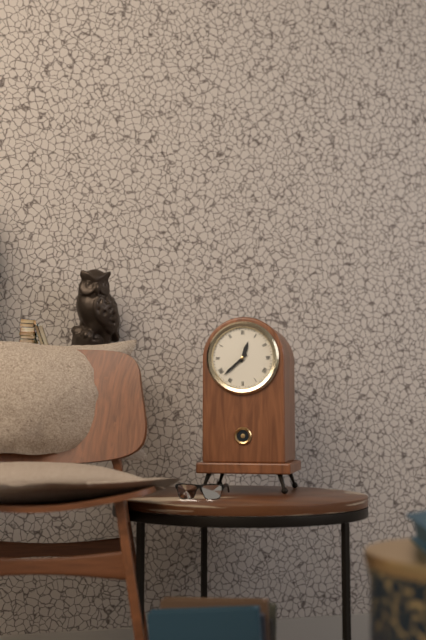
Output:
12 h 38 min
